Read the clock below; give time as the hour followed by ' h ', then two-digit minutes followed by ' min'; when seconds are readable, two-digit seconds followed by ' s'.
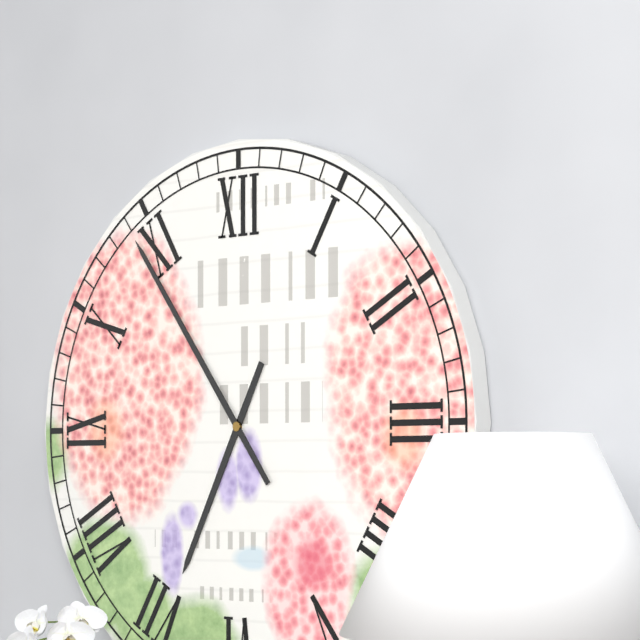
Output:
6 h 54 min
